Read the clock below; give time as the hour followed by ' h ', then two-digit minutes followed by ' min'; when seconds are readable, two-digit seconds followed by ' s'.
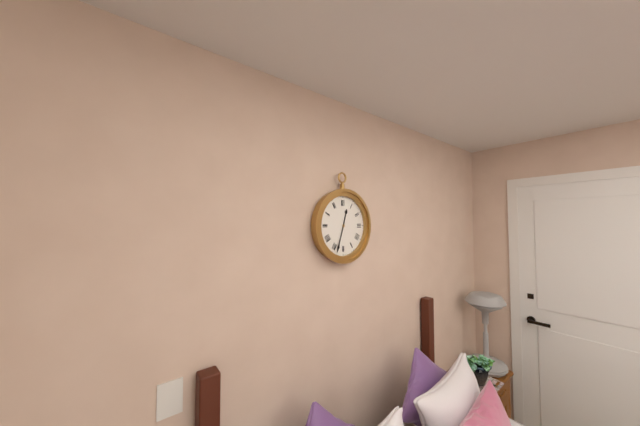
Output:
12 h 33 min
